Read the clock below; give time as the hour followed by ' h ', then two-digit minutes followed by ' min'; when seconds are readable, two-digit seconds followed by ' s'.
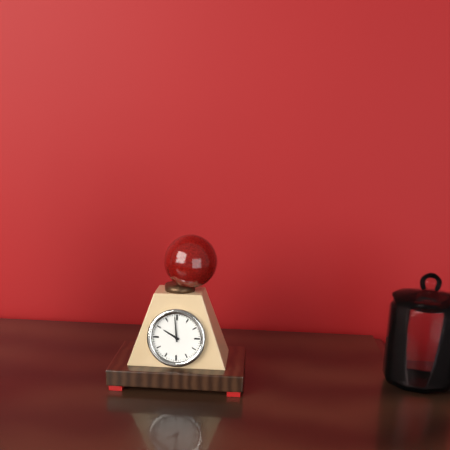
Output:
9 h 59 min
